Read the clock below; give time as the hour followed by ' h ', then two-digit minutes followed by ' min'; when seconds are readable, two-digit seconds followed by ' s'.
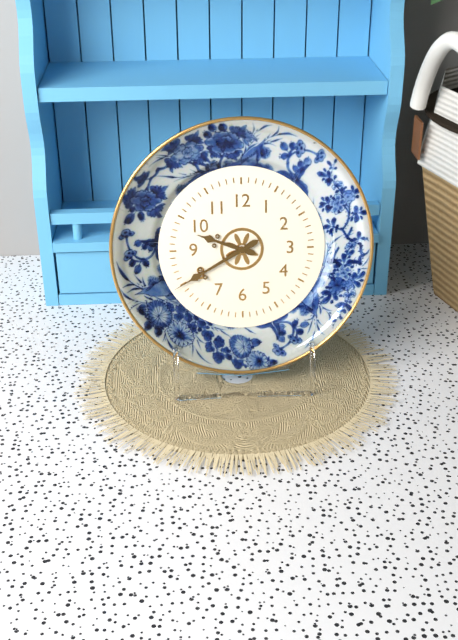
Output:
9 h 40 min
